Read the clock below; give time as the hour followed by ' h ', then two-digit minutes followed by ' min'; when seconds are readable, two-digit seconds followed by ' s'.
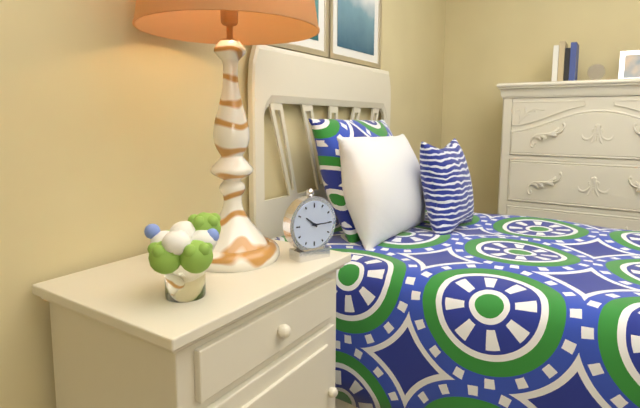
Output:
10 h 15 min
